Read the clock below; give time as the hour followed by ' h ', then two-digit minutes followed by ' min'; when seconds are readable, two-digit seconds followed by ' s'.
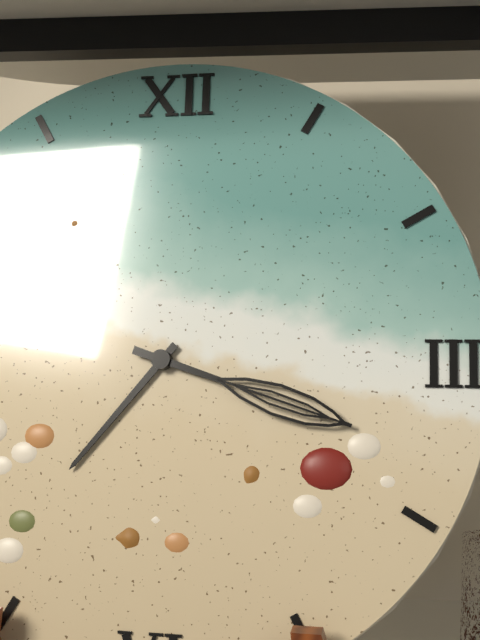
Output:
7 h 18 min
